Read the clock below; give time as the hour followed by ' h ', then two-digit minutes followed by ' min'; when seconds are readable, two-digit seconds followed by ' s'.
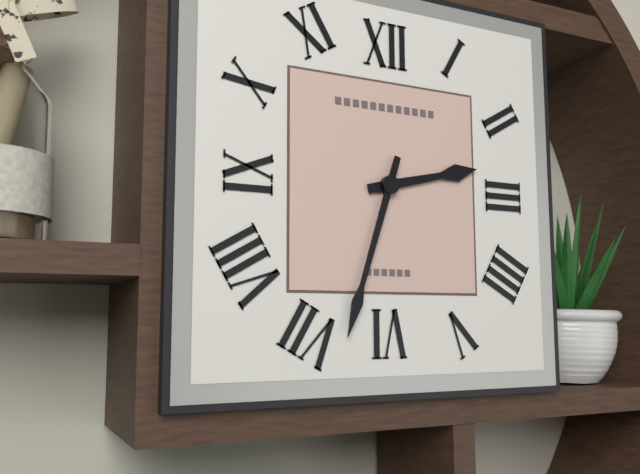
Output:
2 h 33 min
